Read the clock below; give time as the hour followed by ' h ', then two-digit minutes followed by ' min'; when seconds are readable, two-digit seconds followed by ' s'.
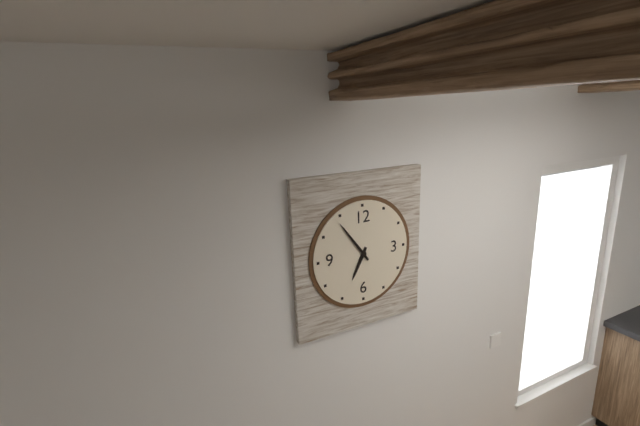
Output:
6 h 54 min
